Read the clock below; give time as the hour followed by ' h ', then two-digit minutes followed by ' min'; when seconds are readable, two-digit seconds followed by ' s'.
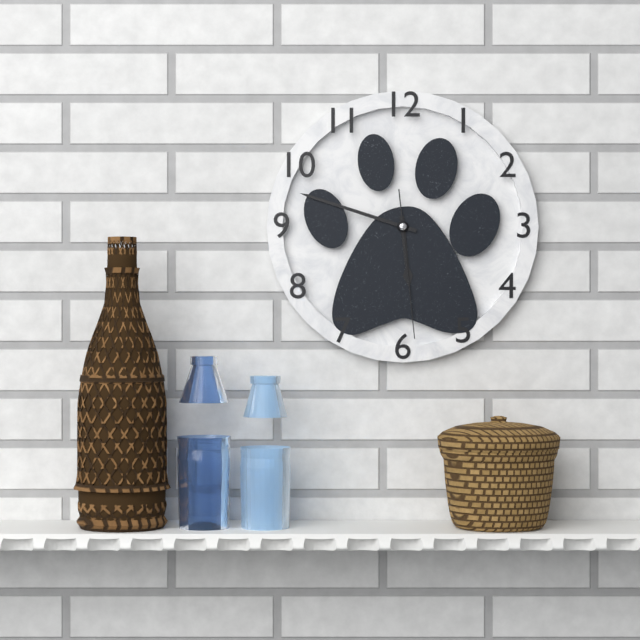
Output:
5 h 48 min 29 s
